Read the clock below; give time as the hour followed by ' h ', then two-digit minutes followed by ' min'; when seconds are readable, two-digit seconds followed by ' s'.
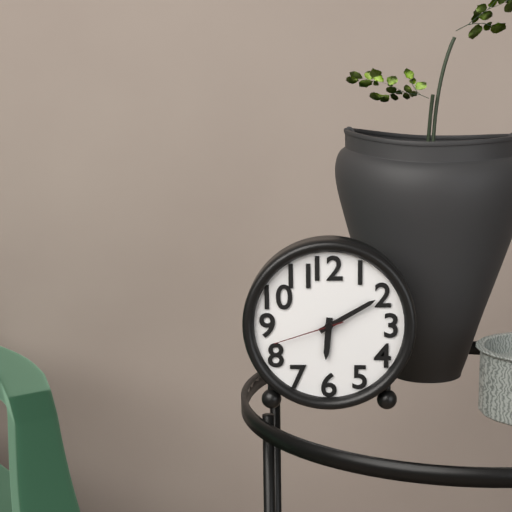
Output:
6 h 10 min 42 s
